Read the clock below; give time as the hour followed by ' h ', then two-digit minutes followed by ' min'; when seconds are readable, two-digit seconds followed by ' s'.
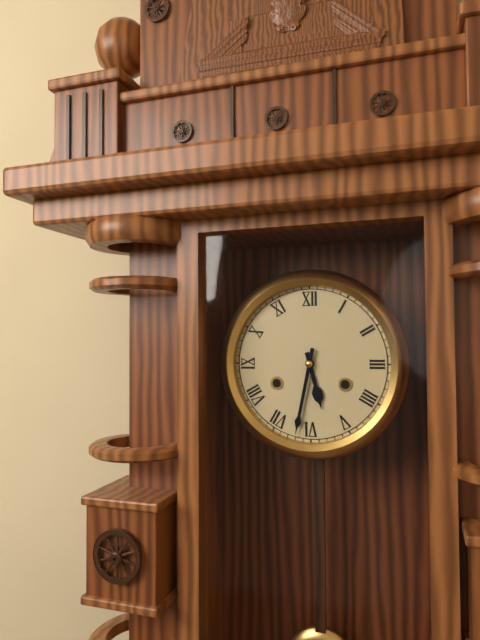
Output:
5 h 32 min
